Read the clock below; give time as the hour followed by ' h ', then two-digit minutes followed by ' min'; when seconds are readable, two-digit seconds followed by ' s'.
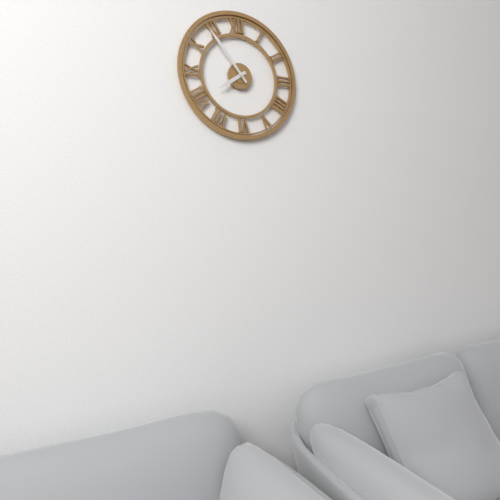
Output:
7 h 54 min
